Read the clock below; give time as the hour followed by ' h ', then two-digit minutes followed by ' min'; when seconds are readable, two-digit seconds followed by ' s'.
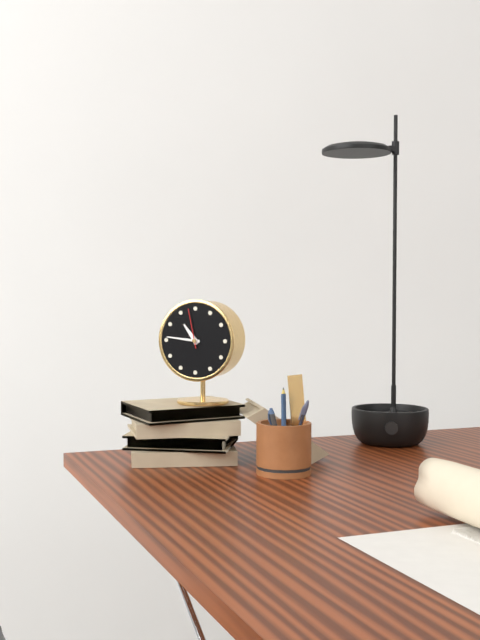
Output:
10 h 46 min
